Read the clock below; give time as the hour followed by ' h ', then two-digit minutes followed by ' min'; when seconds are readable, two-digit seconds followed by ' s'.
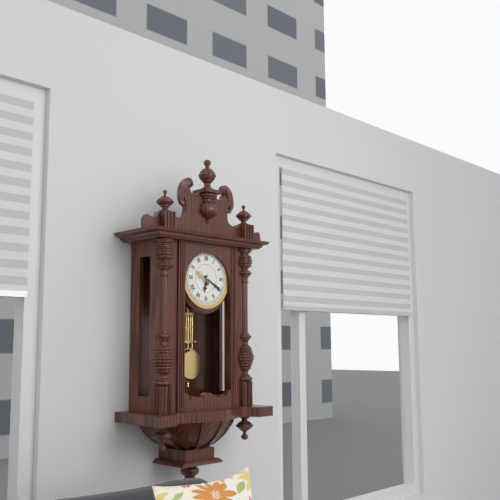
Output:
6 h 20 min
